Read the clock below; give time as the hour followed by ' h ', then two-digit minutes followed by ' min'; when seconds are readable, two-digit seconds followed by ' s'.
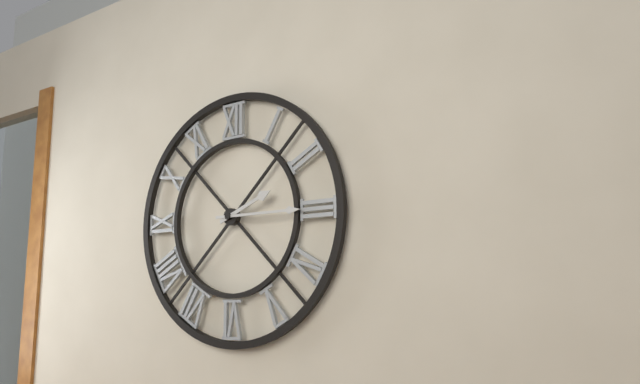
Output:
2 h 15 min
